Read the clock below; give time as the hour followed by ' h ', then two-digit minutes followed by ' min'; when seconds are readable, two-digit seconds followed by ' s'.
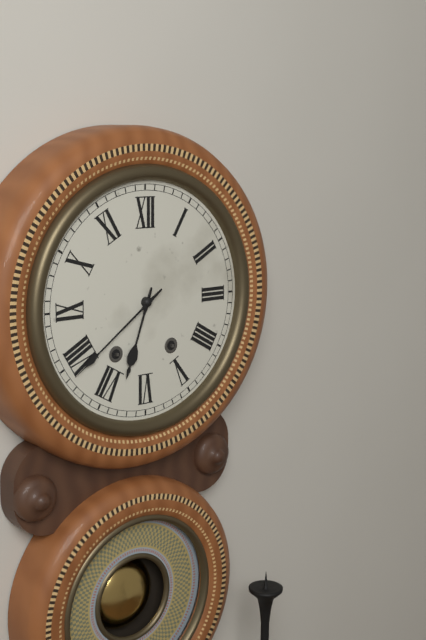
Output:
6 h 39 min
